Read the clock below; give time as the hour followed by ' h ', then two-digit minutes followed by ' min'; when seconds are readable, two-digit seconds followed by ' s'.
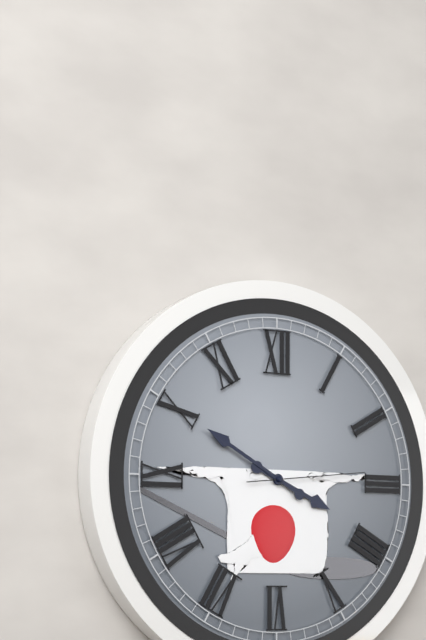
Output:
3 h 50 min 14 s
